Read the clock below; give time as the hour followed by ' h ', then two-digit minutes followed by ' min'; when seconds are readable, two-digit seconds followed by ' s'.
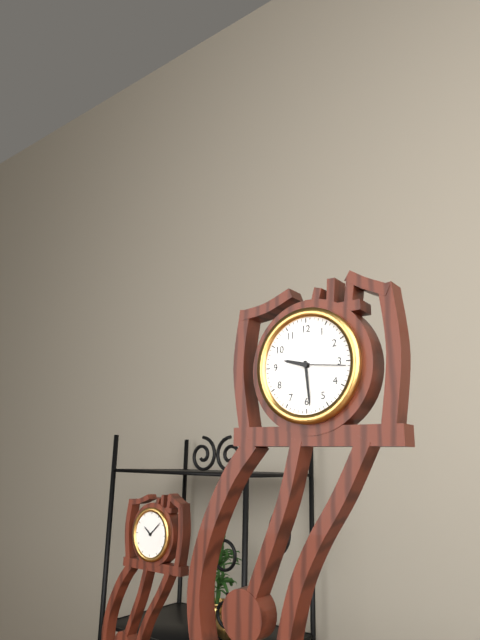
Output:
9 h 29 min 16 s
